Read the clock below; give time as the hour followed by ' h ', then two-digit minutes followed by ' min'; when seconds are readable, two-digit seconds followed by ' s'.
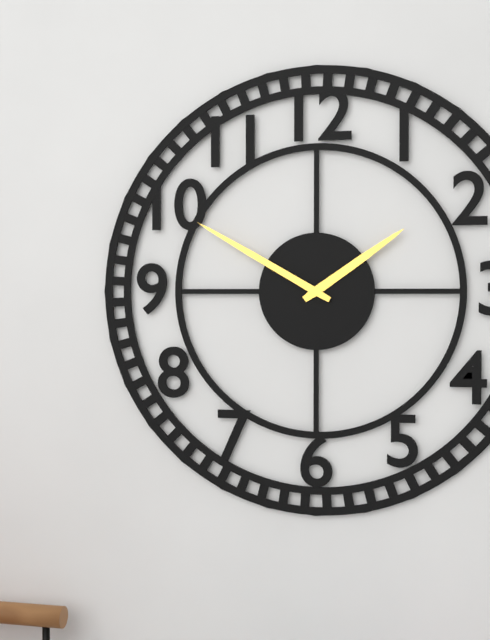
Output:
1 h 50 min
